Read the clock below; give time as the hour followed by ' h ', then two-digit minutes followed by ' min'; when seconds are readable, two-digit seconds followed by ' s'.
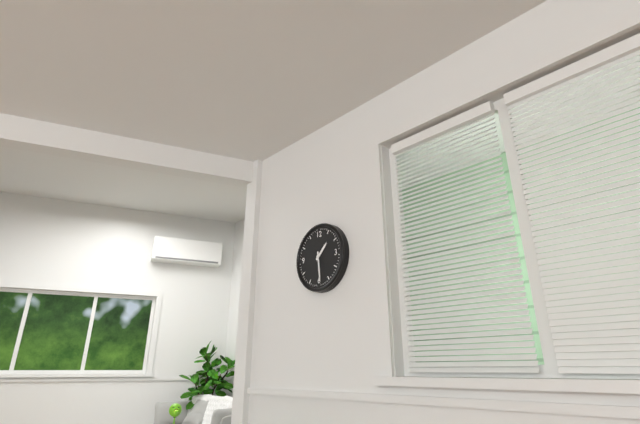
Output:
1 h 29 min
